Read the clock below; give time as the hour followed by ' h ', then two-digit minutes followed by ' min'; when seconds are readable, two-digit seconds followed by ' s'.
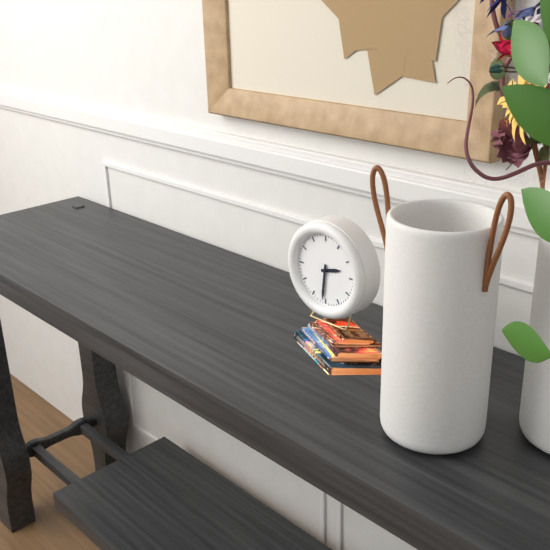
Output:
2 h 31 min
